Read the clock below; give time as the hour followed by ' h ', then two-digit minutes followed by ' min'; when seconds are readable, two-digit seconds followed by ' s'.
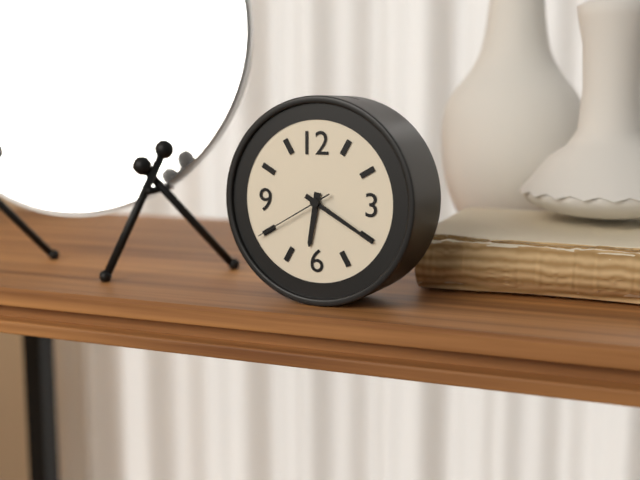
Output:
6 h 20 min 40 s
